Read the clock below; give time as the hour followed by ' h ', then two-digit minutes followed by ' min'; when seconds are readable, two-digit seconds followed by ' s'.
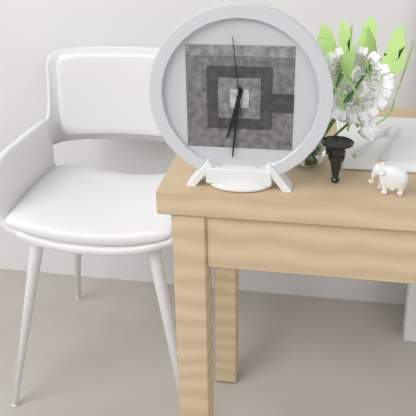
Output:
6 h 31 min 59 s
